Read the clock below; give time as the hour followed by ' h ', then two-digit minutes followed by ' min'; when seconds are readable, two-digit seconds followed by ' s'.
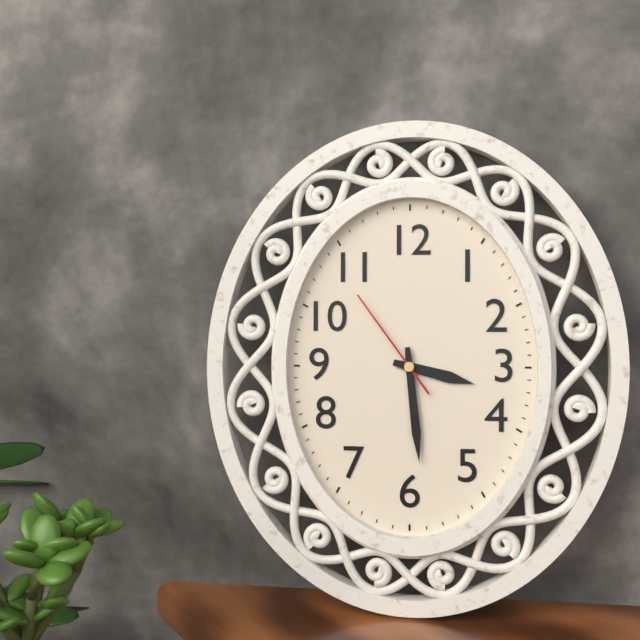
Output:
3 h 29 min 54 s
